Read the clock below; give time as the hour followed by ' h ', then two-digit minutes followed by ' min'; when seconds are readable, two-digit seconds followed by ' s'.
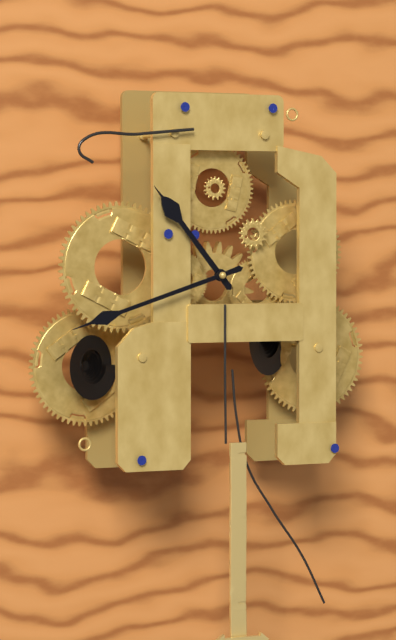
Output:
10 h 42 min
